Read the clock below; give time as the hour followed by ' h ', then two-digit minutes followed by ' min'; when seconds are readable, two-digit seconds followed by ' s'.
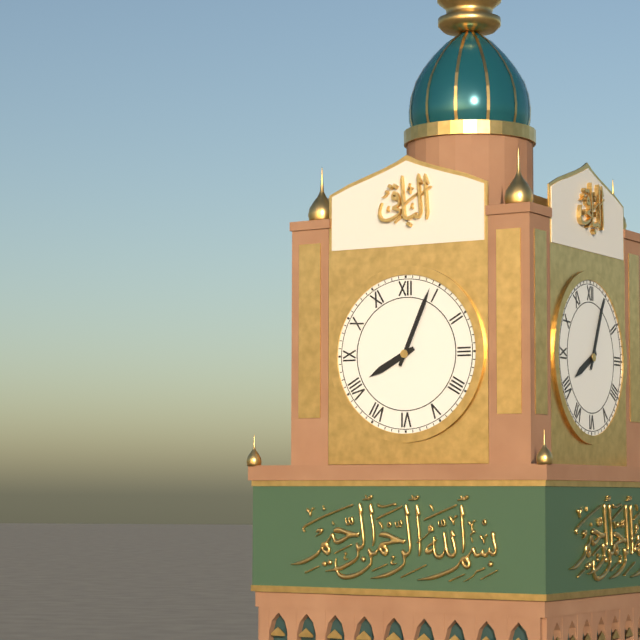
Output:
8 h 04 min
